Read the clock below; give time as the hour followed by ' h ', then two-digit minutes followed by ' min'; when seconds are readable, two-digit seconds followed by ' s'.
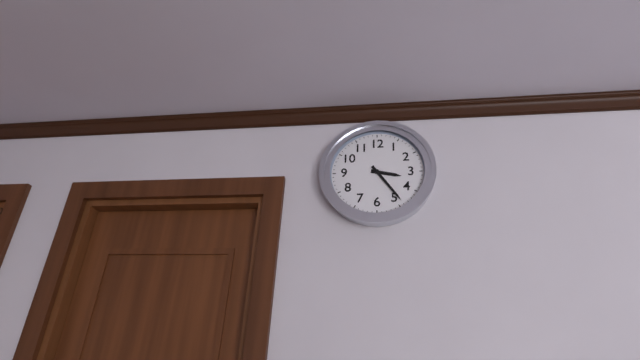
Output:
3 h 24 min
